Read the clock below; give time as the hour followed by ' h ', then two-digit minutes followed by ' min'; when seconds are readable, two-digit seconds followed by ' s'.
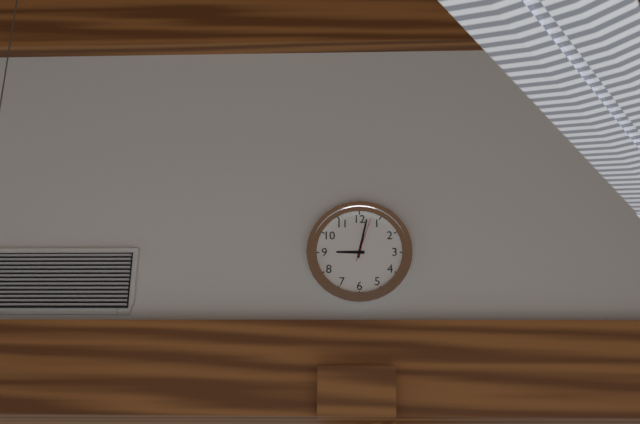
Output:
9 h 02 min
